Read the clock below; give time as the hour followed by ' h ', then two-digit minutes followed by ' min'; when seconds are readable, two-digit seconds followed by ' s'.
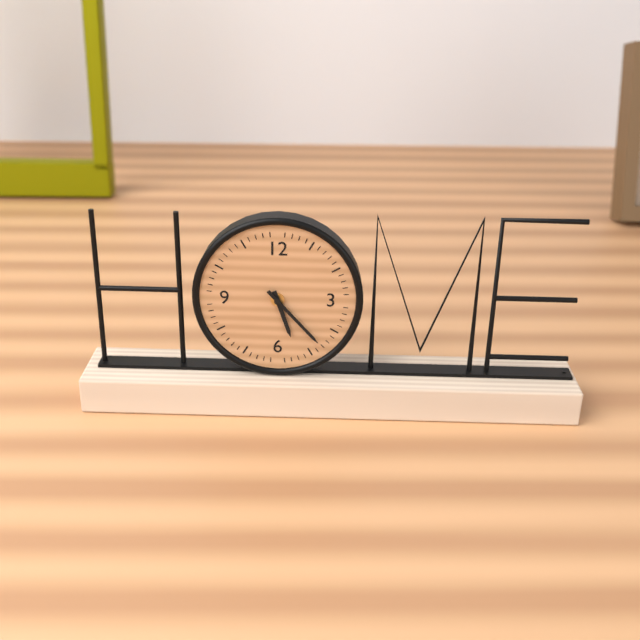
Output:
5 h 23 min
